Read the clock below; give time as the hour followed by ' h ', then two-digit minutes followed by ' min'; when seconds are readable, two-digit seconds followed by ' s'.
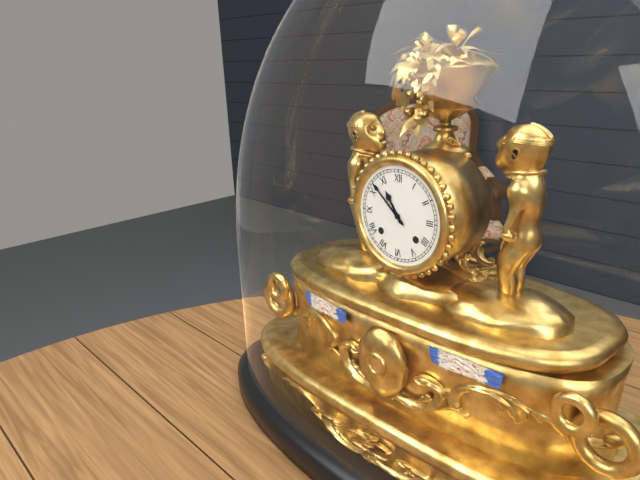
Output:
10 h 52 min
